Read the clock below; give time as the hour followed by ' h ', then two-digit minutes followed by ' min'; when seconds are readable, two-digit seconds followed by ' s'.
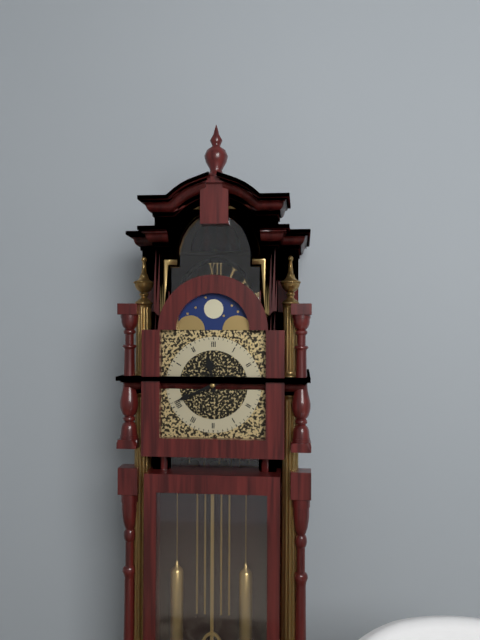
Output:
11 h 41 min
